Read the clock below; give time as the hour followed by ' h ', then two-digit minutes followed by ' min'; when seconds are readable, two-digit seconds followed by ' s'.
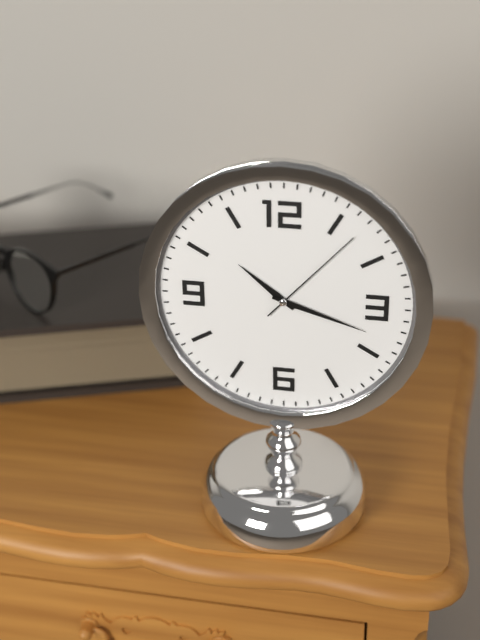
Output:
10 h 18 min 07 s
